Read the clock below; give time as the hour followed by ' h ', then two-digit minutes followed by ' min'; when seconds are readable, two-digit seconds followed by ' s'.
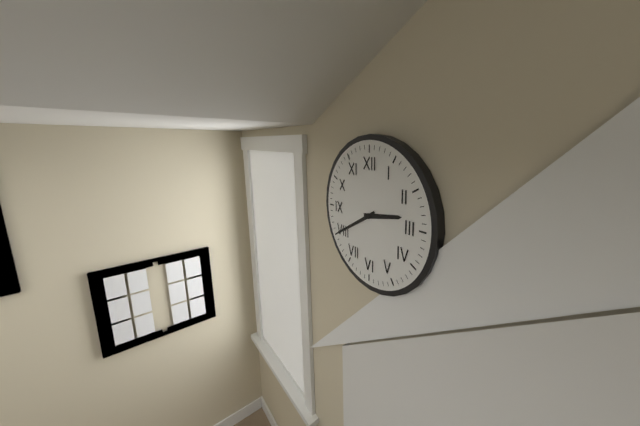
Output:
2 h 40 min
